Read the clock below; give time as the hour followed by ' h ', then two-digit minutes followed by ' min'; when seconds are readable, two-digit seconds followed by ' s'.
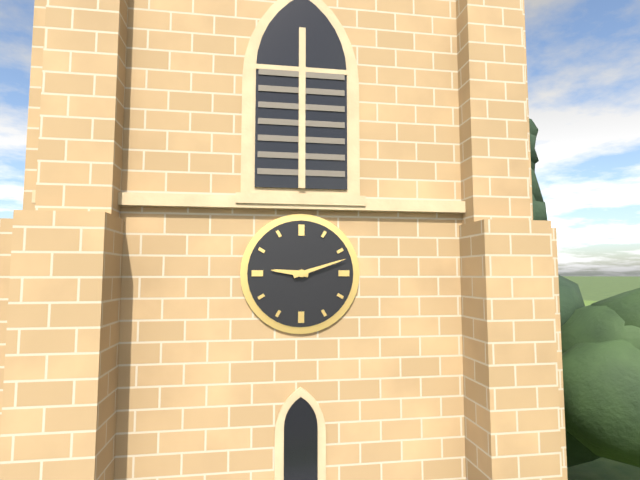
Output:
9 h 12 min
